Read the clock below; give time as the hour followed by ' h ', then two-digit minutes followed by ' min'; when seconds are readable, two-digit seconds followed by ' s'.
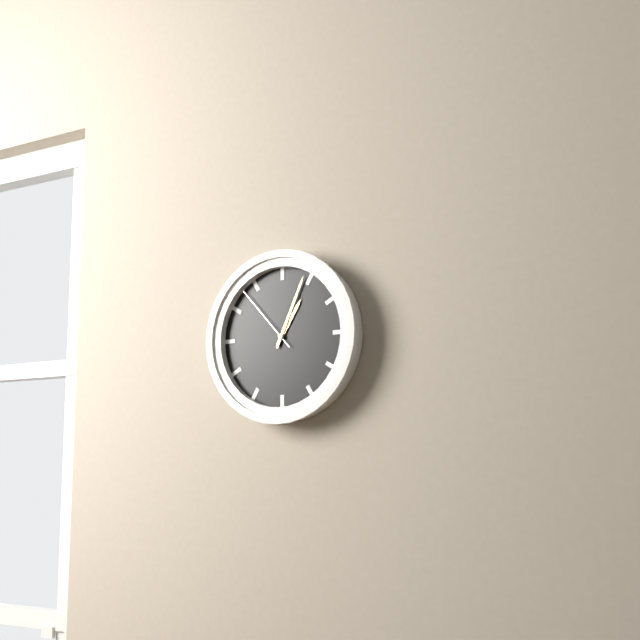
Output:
1 h 04 min 53 s
